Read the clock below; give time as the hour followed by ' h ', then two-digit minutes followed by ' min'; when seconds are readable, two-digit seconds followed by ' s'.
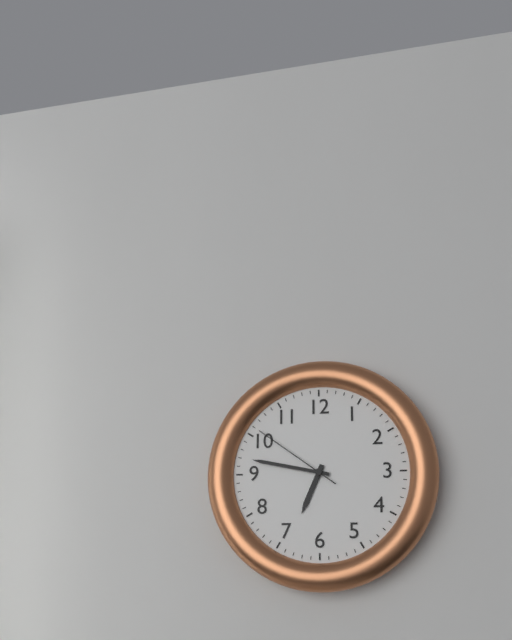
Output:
6 h 47 min 51 s
